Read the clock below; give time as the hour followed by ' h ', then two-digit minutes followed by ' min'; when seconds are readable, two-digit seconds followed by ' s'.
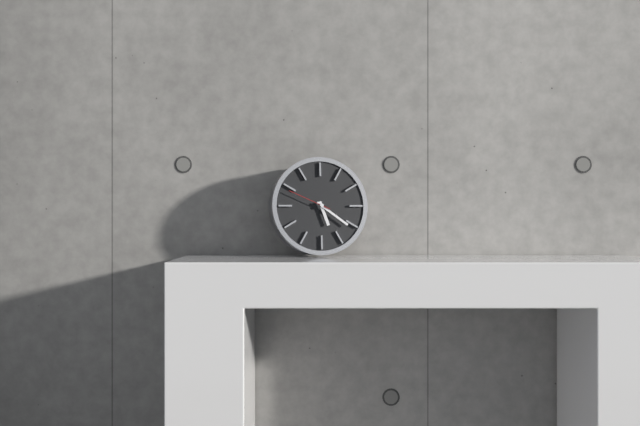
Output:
5 h 21 min
